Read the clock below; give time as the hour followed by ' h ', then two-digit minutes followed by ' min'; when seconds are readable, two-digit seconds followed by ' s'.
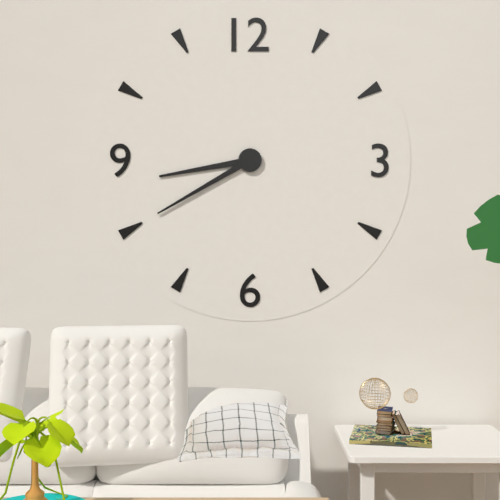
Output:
8 h 40 min
